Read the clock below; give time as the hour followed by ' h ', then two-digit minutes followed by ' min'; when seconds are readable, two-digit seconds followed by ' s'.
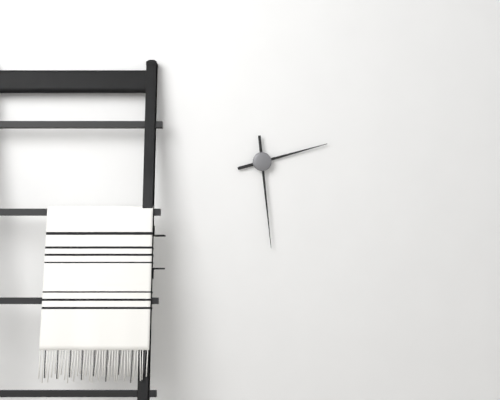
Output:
2 h 29 min
